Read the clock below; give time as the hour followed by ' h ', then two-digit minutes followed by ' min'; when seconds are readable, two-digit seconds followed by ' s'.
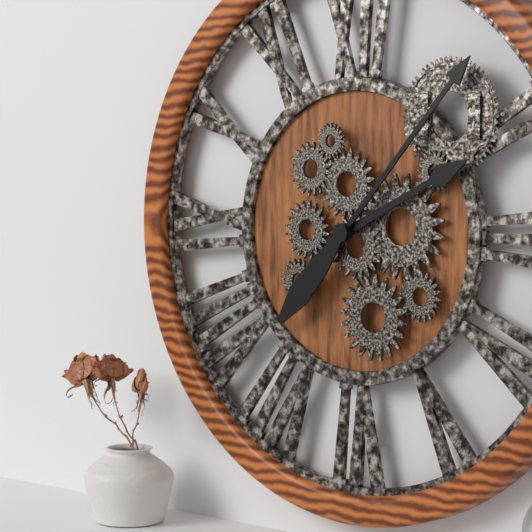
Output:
2 h 07 min
